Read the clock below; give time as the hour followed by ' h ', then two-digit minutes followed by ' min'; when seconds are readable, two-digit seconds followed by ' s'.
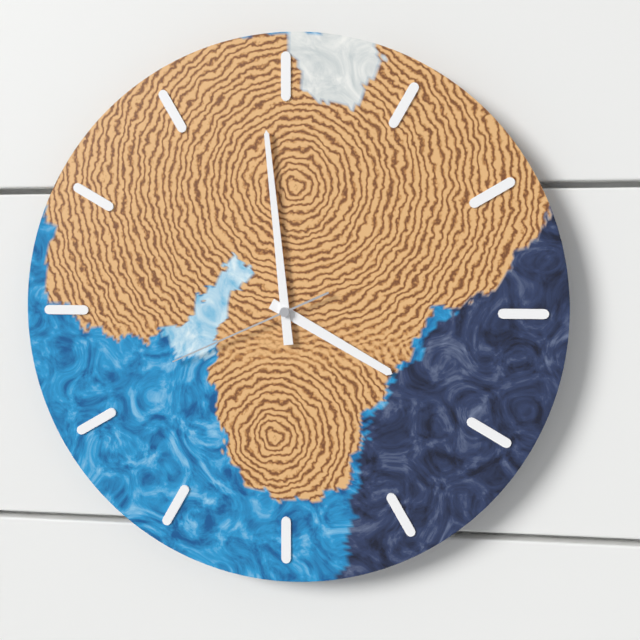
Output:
3 h 59 min 41 s
